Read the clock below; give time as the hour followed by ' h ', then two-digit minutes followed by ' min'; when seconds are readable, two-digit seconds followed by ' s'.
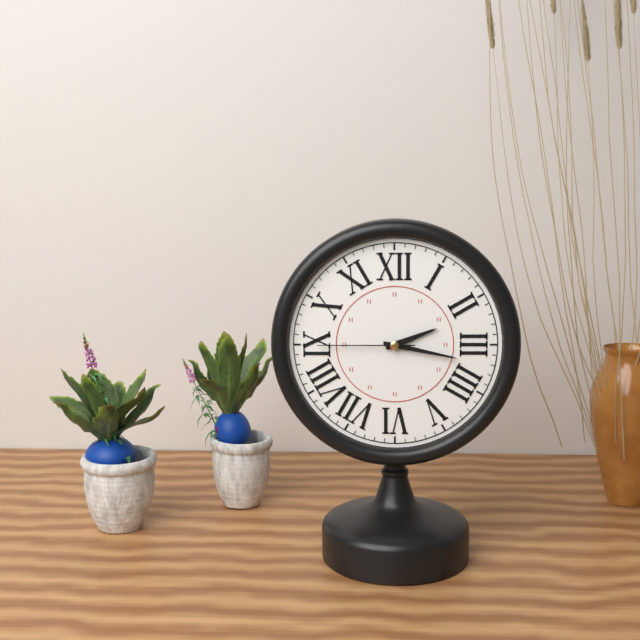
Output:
2 h 17 min 45 s
